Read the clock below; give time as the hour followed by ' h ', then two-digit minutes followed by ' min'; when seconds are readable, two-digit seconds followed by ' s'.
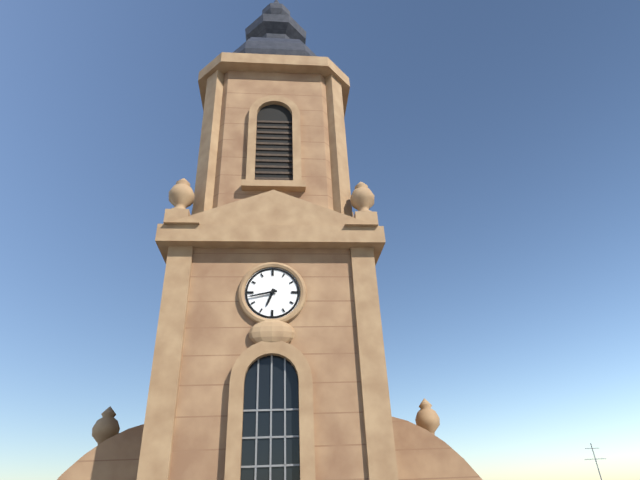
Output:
6 h 43 min
